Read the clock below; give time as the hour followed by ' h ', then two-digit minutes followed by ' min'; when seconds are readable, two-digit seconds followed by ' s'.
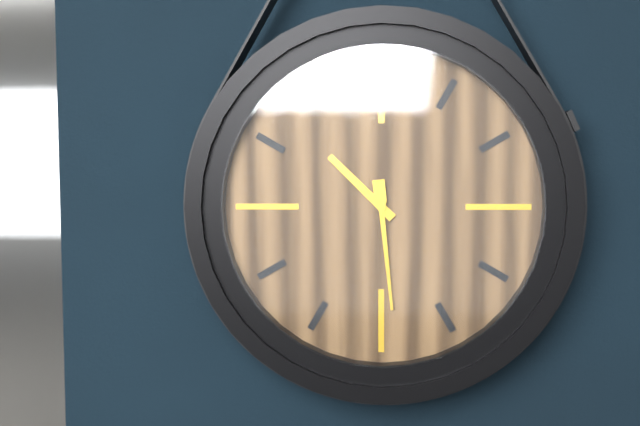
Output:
10 h 29 min
